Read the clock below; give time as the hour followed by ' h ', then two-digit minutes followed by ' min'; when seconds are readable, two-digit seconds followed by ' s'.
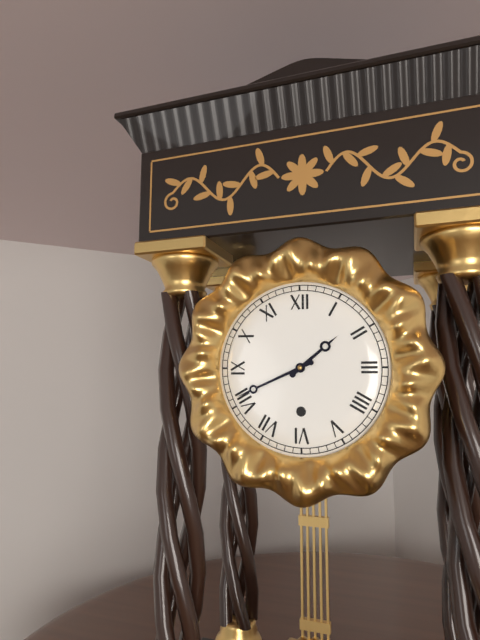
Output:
1 h 41 min
